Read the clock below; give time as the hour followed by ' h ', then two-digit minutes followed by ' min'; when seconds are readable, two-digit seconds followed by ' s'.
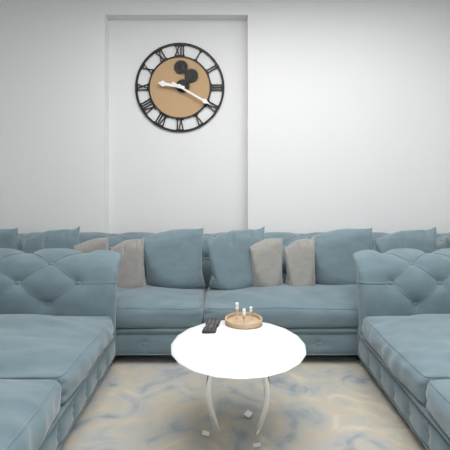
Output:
9 h 20 min
